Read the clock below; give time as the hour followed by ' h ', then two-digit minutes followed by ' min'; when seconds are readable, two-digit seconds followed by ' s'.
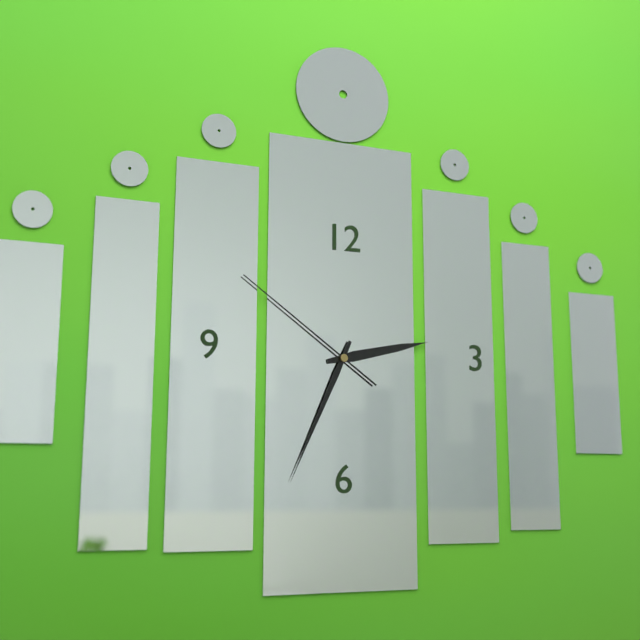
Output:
2 h 34 min 51 s
